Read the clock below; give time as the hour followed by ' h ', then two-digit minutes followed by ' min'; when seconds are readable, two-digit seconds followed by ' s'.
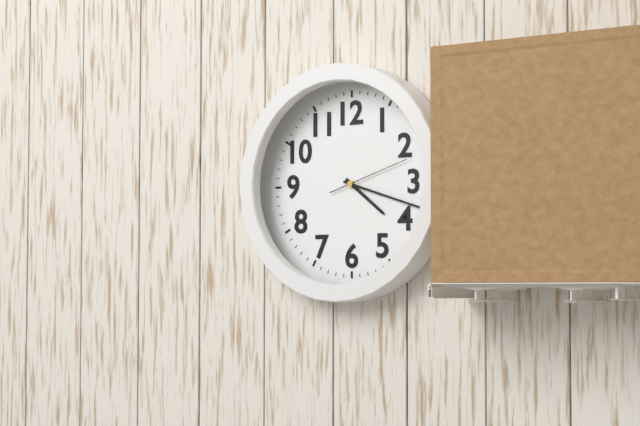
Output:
4 h 18 min 12 s
